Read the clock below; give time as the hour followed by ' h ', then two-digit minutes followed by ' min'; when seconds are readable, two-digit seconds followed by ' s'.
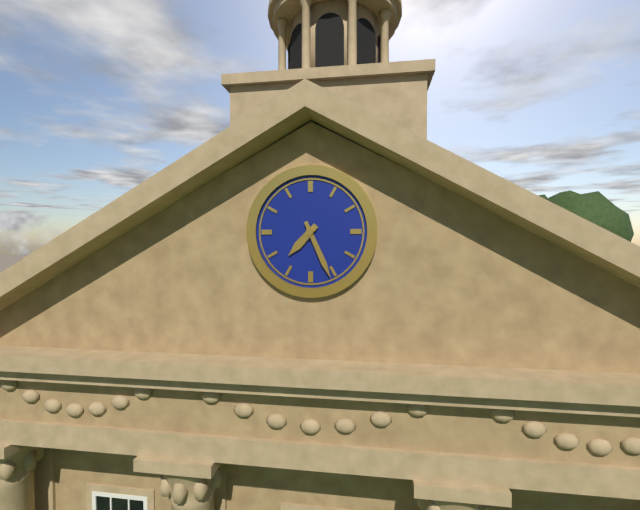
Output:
7 h 26 min
